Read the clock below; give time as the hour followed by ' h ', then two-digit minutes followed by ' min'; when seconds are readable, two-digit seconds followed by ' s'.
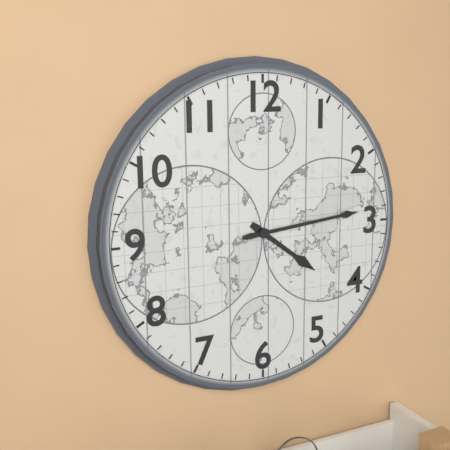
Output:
4 h 14 min
